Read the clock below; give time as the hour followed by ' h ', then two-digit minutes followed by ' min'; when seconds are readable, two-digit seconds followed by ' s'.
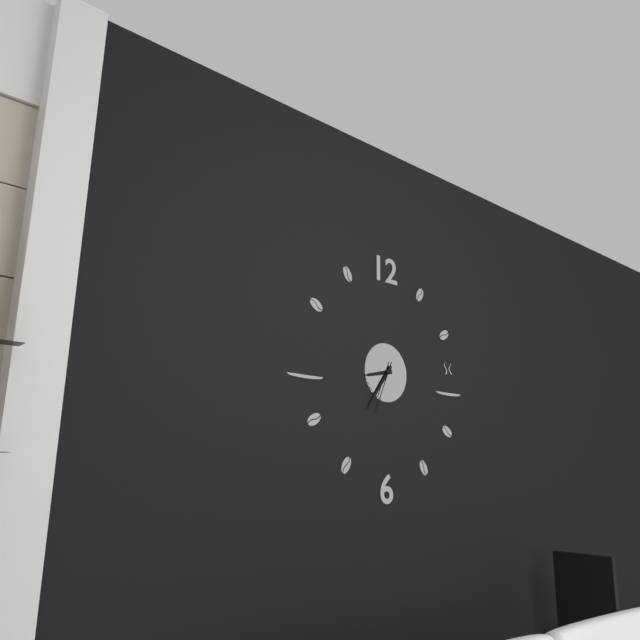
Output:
8 h 36 min 34 s
